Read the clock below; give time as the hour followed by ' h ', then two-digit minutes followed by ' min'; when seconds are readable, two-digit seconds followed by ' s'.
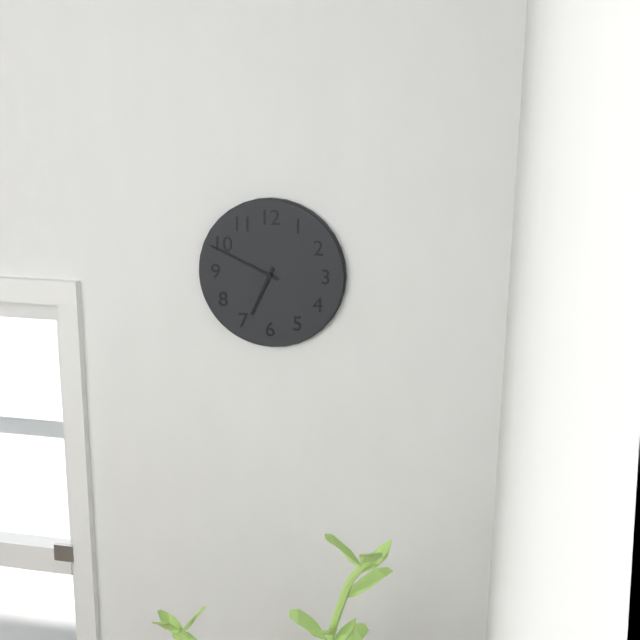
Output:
6 h 49 min
